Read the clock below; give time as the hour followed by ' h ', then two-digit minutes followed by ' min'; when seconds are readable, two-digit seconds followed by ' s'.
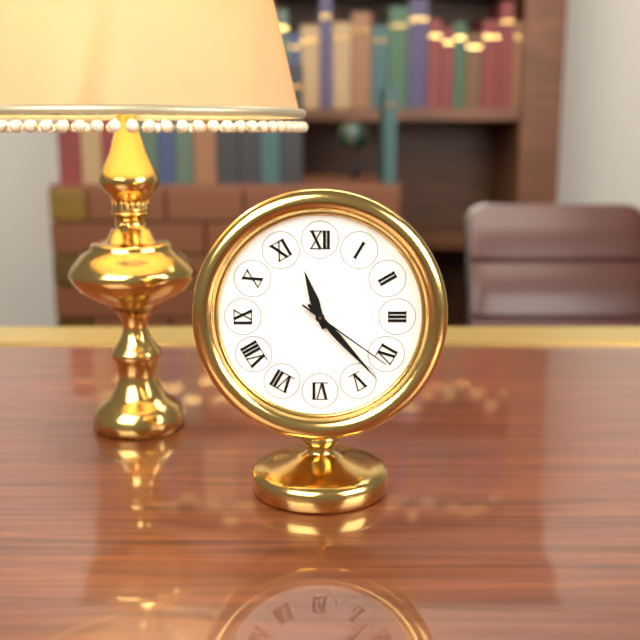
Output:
11 h 23 min 21 s
